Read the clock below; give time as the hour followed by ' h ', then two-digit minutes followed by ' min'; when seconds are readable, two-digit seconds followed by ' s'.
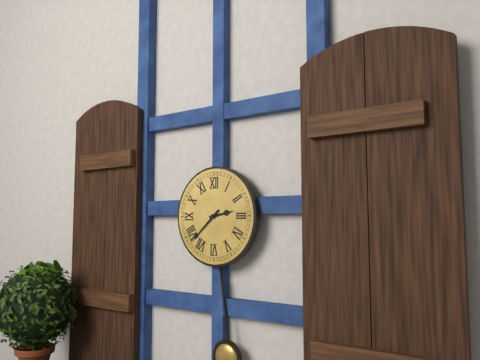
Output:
2 h 38 min
